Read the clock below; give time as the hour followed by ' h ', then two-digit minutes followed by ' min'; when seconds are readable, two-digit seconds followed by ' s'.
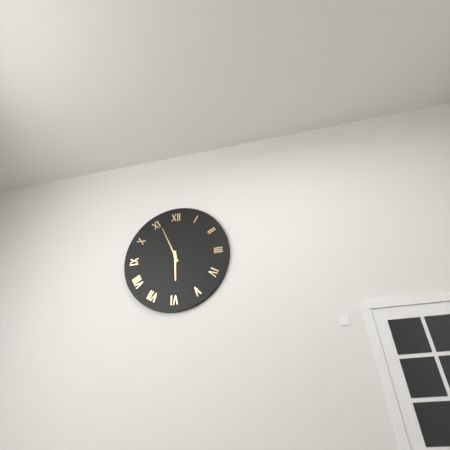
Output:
5 h 56 min
